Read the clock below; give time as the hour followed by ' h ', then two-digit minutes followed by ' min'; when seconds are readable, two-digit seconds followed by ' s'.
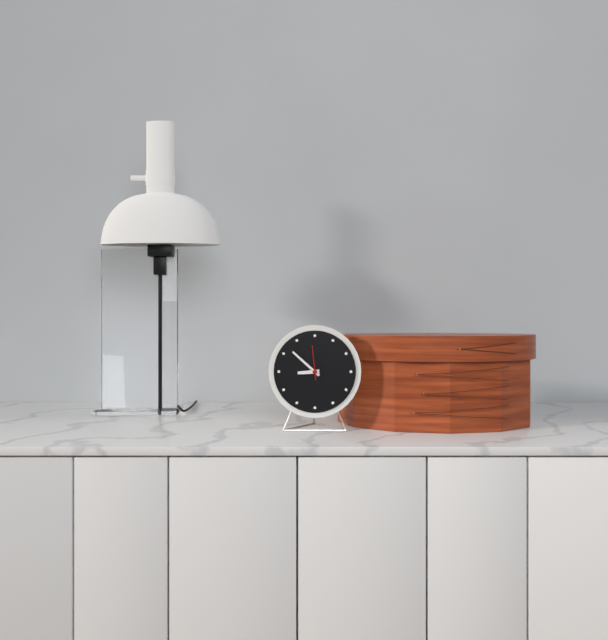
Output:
8 h 52 min
